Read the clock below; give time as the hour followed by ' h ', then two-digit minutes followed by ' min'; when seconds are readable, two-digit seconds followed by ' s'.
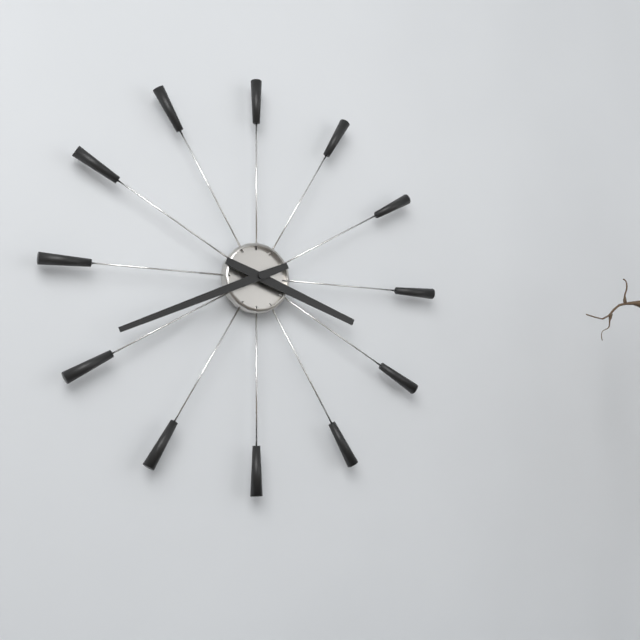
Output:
3 h 41 min
